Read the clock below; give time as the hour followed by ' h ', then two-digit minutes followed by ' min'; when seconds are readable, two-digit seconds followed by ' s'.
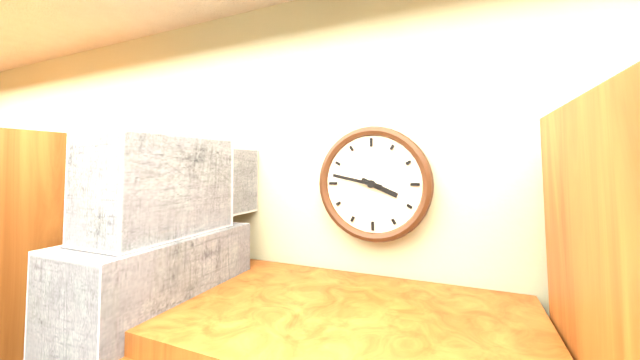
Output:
3 h 47 min
